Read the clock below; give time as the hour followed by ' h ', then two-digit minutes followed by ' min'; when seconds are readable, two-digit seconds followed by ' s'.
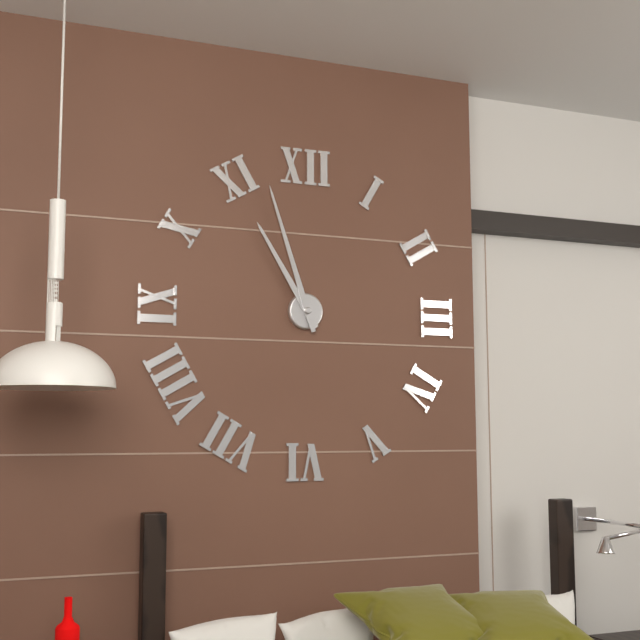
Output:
10 h 57 min
